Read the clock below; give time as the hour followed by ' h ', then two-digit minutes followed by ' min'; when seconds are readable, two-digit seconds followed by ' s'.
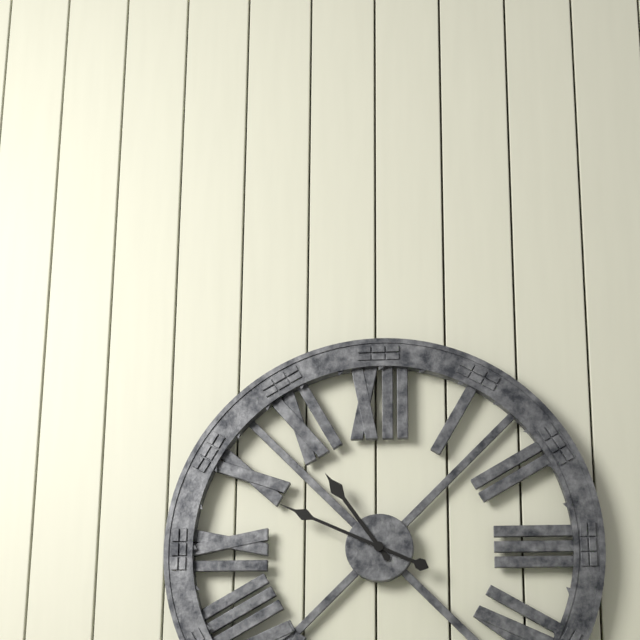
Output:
10 h 49 min
